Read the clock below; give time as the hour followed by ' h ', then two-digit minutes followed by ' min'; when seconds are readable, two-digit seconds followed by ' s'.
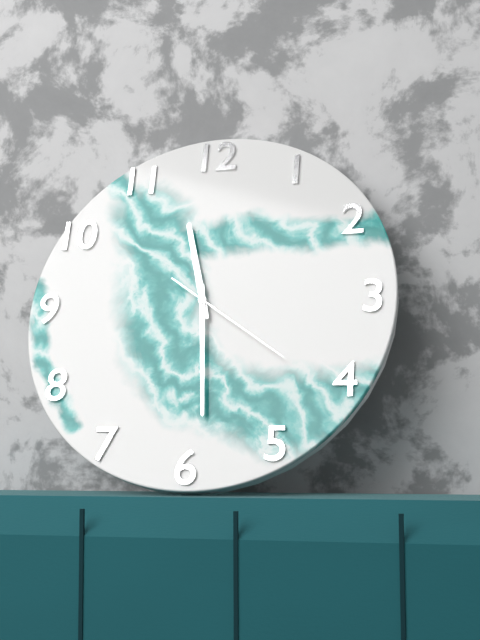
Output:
11 h 29 min 21 s
